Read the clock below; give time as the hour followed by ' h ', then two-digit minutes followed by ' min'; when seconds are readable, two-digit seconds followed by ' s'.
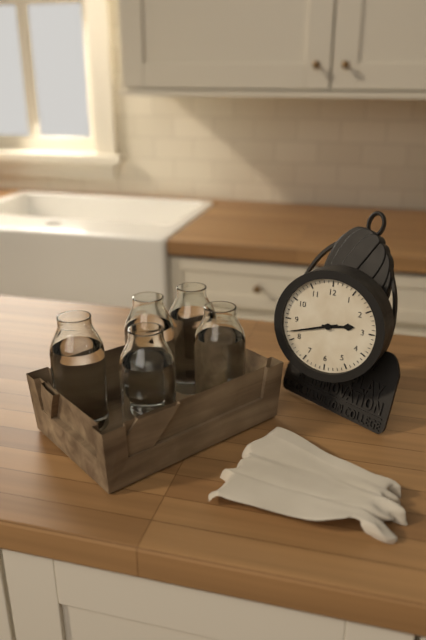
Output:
2 h 42 min
